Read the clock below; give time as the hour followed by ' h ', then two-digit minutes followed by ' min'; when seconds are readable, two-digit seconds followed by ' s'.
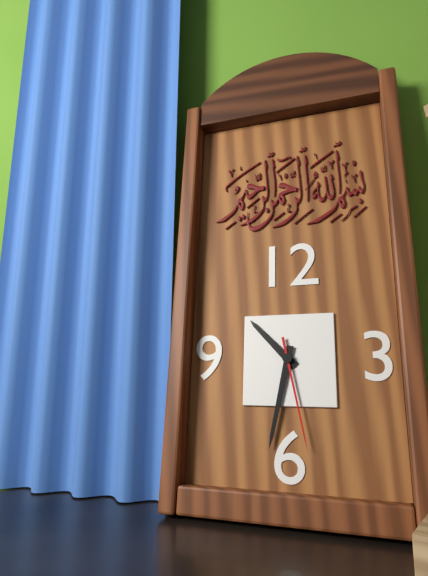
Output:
10 h 32 min 28 s
